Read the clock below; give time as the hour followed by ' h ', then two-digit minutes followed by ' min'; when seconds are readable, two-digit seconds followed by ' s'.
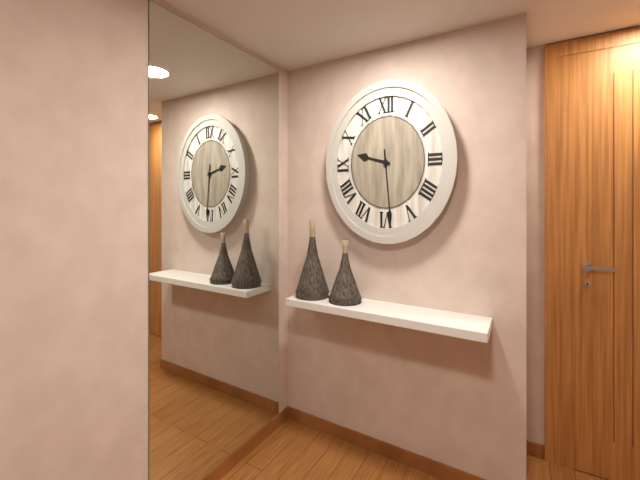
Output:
9 h 29 min
